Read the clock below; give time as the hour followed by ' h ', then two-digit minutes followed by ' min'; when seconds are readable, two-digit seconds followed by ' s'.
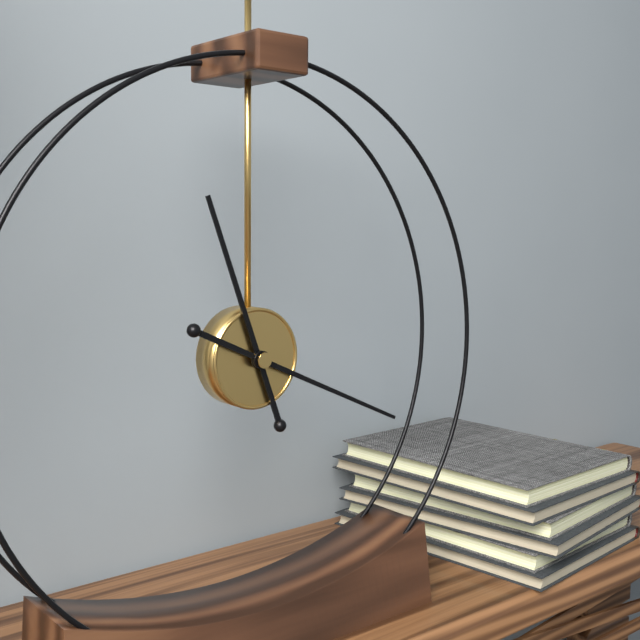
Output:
11 h 19 min
